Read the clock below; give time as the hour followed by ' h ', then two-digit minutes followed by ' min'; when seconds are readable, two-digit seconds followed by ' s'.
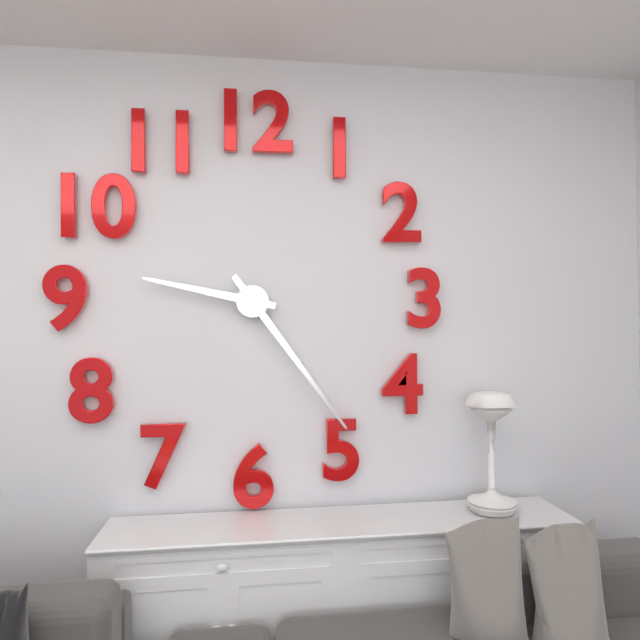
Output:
9 h 24 min
